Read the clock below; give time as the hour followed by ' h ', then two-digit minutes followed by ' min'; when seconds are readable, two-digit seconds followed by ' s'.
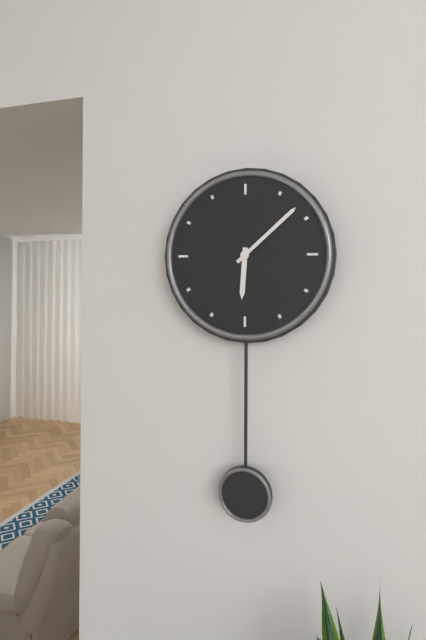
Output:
6 h 08 min
